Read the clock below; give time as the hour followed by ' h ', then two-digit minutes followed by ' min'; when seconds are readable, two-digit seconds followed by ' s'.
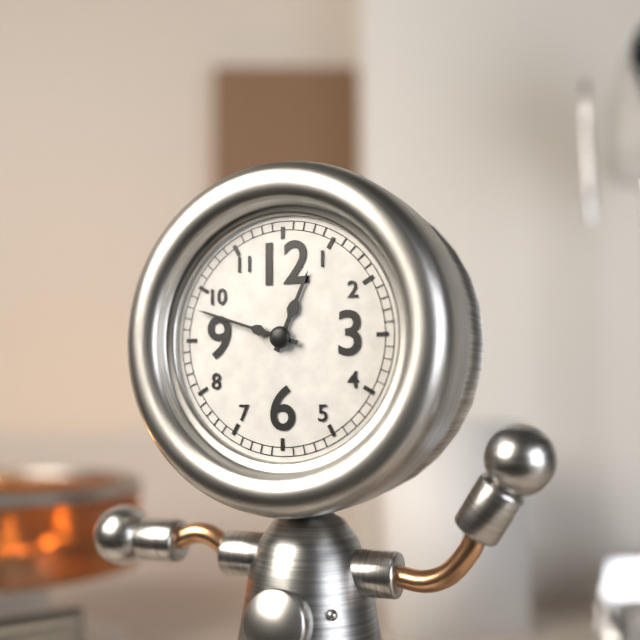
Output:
12 h 48 min
